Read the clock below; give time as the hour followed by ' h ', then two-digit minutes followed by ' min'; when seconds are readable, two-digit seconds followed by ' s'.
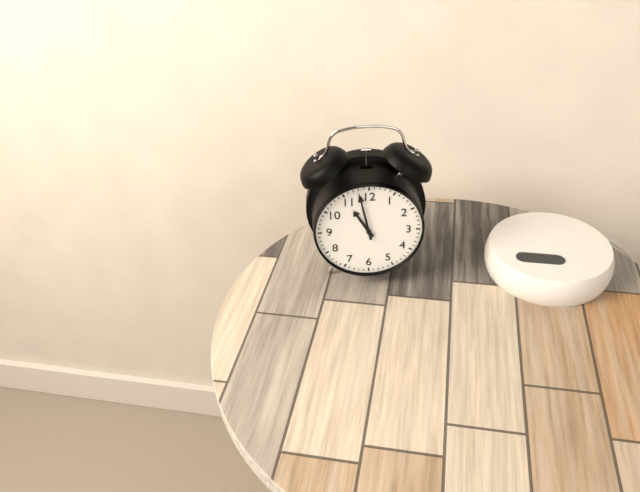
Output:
10 h 58 min
